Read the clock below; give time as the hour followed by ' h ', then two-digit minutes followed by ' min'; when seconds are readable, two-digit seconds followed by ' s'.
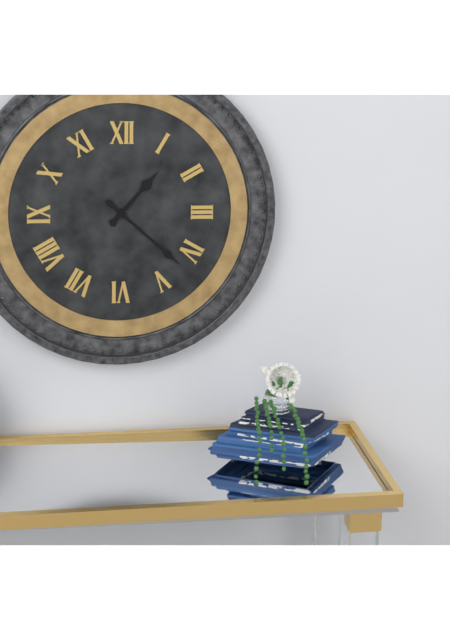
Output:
1 h 22 min
